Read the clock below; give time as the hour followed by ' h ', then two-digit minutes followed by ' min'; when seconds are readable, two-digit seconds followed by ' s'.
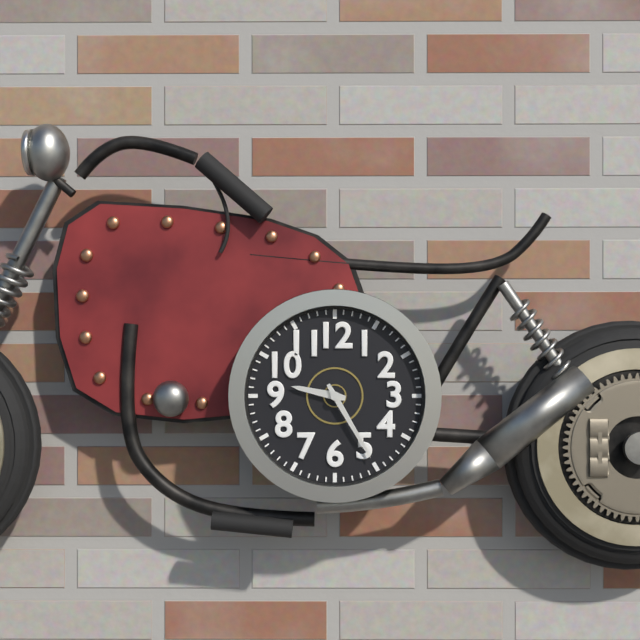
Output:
9 h 25 min
